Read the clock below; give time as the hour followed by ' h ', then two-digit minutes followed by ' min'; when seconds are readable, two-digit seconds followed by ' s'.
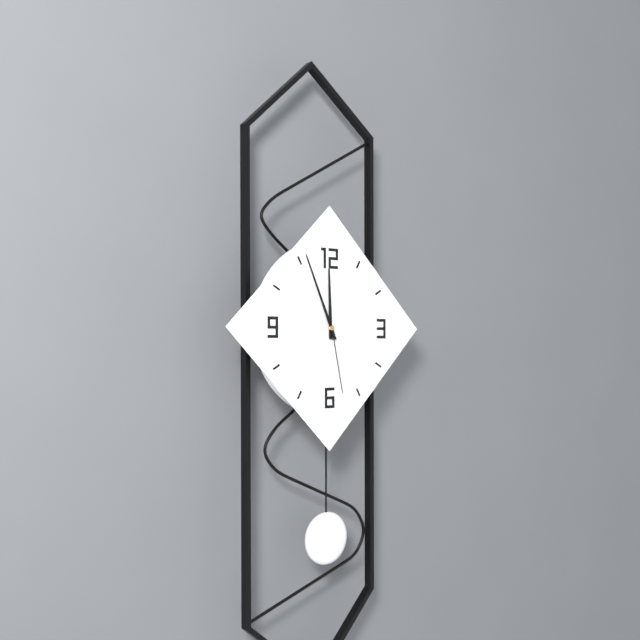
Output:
11 h 56 min 28 s
